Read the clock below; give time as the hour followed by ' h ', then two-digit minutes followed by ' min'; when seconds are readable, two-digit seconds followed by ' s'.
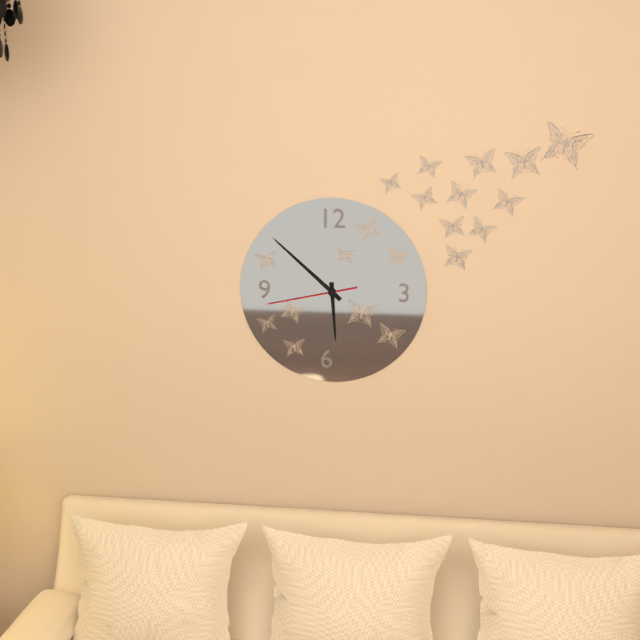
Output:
5 h 52 min 43 s
